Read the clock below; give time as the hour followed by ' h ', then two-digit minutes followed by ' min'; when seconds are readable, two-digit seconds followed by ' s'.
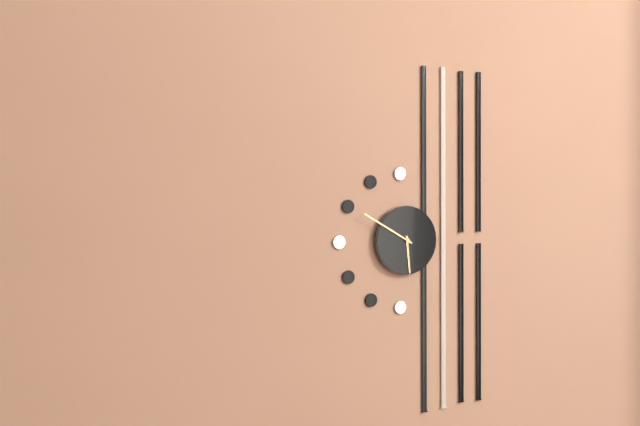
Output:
5 h 50 min
